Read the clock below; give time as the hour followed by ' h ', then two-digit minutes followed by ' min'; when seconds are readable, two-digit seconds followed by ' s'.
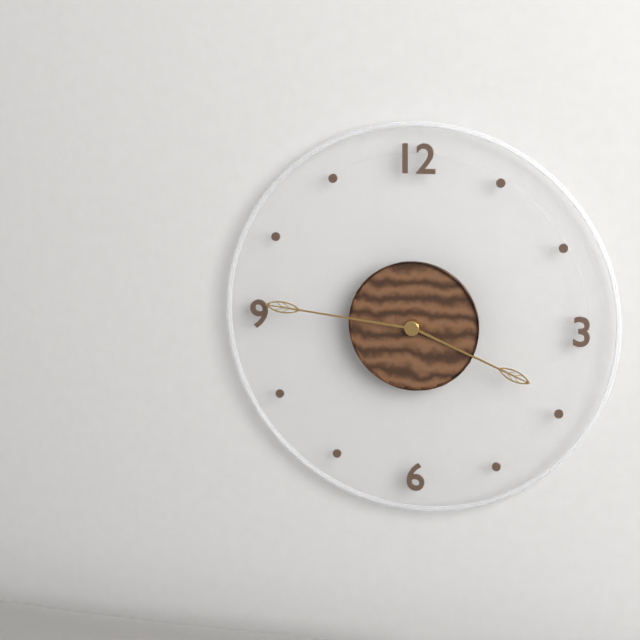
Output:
3 h 46 min
